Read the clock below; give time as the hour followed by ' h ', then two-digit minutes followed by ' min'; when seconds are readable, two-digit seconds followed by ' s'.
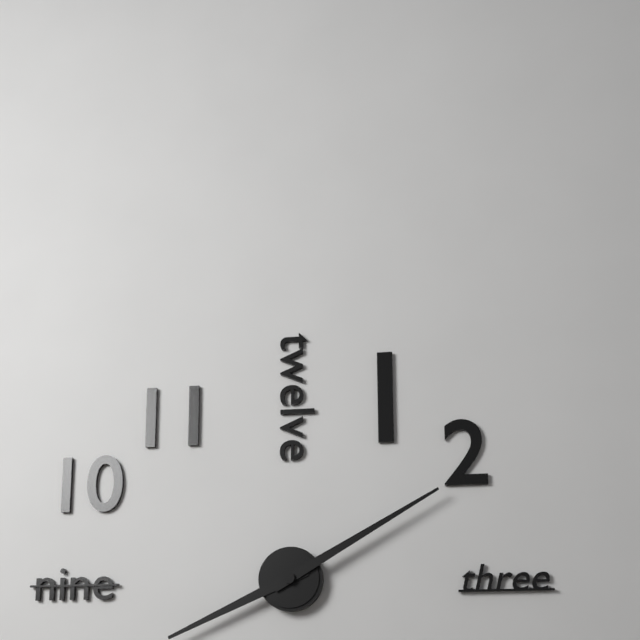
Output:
8 h 10 min
